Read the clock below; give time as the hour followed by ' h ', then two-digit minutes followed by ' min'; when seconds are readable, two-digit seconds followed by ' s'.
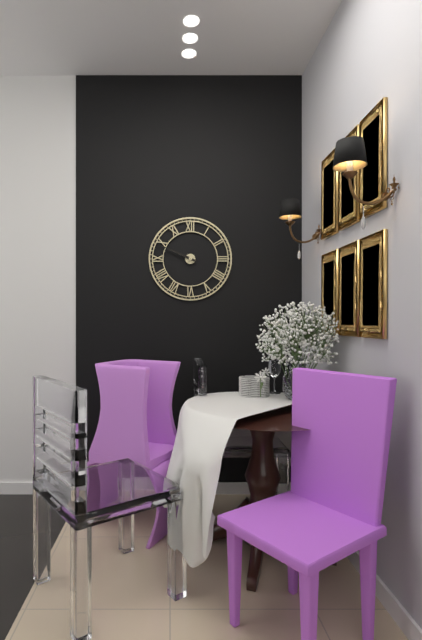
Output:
9 h 49 min
